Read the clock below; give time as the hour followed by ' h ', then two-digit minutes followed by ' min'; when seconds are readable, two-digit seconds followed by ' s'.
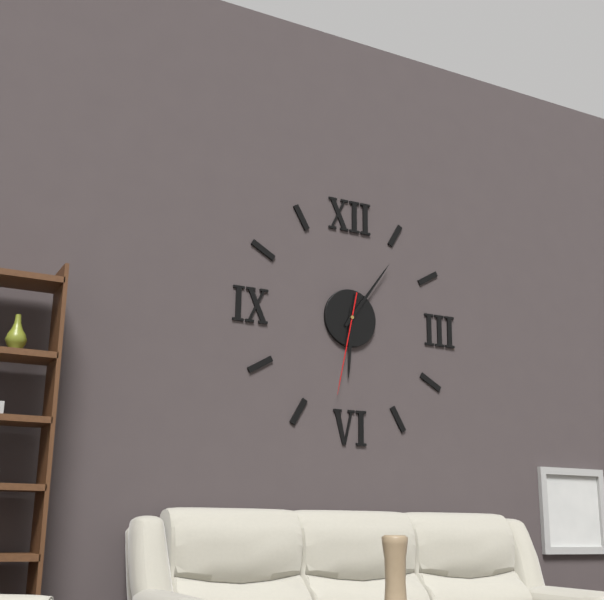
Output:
6 h 06 min 32 s
